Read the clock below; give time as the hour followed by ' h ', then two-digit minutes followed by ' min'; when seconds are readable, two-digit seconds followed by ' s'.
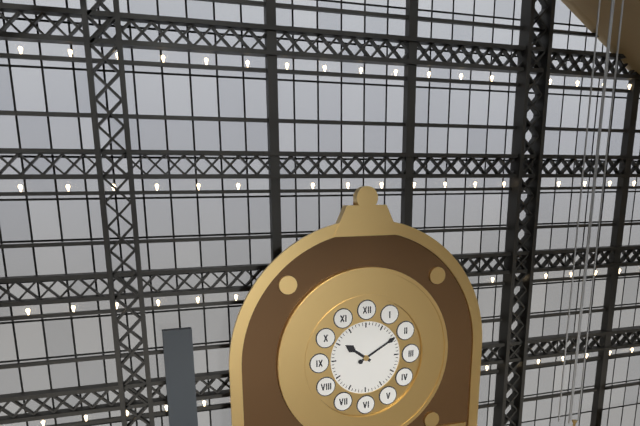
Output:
10 h 10 min
